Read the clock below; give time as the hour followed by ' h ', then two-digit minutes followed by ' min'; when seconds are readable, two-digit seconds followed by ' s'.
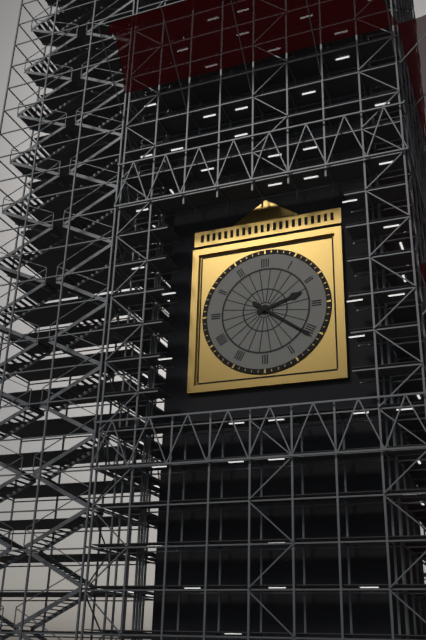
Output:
2 h 21 min
